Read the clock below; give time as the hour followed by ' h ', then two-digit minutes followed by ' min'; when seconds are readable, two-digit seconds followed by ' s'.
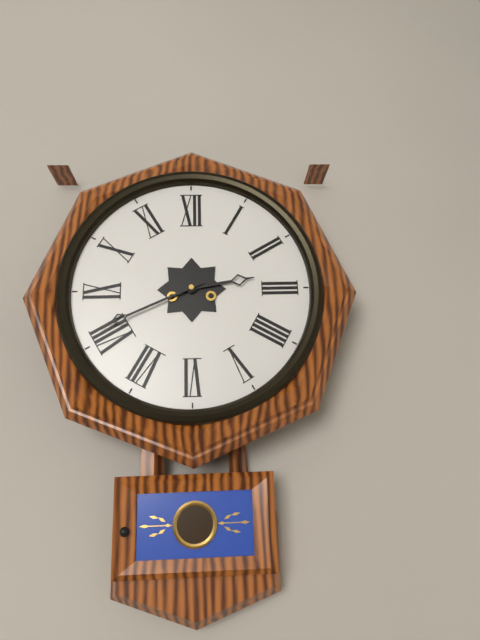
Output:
2 h 41 min
